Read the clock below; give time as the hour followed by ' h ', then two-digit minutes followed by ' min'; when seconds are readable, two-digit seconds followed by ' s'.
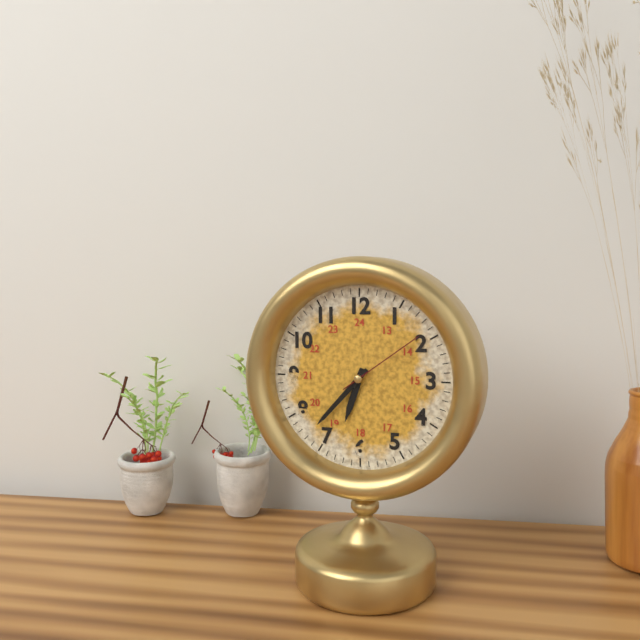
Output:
6 h 37 min 09 s
